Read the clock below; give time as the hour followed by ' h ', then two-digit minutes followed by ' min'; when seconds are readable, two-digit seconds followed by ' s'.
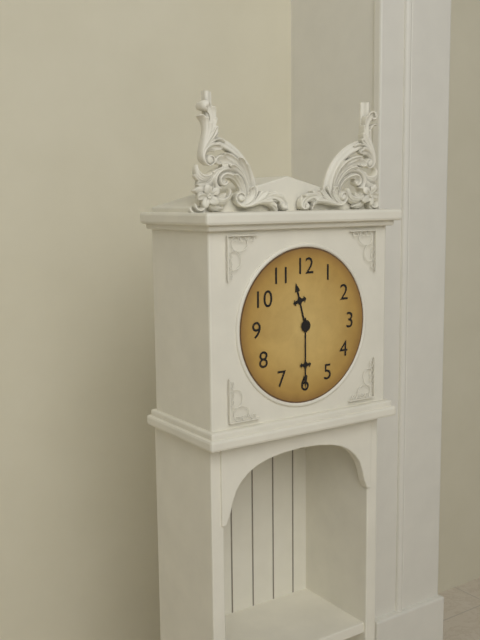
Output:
11 h 30 min
